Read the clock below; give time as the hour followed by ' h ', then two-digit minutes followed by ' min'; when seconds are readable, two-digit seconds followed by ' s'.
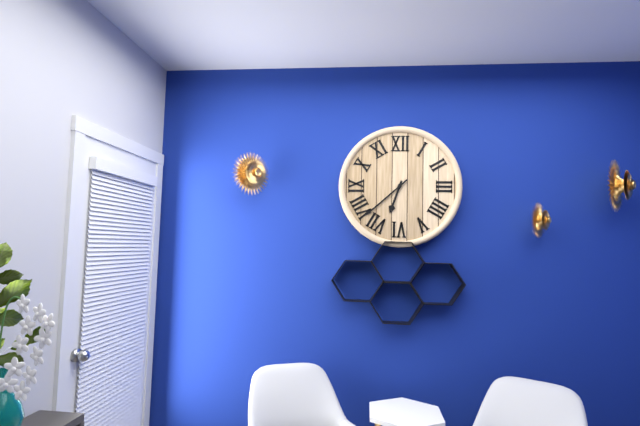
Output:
6 h 38 min
